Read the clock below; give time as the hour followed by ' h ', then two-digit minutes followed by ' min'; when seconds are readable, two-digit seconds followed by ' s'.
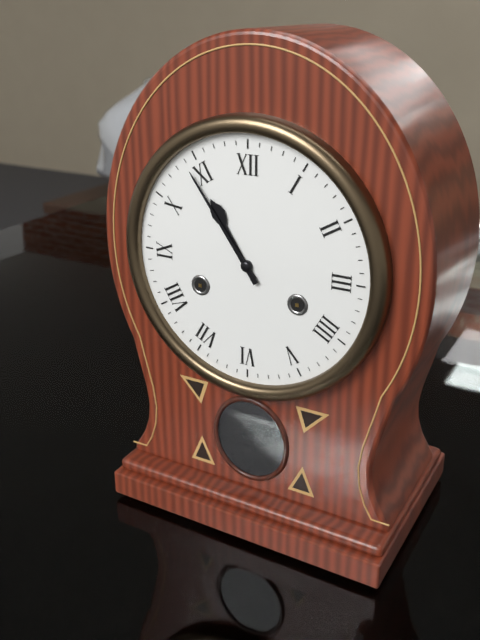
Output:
10 h 54 min
